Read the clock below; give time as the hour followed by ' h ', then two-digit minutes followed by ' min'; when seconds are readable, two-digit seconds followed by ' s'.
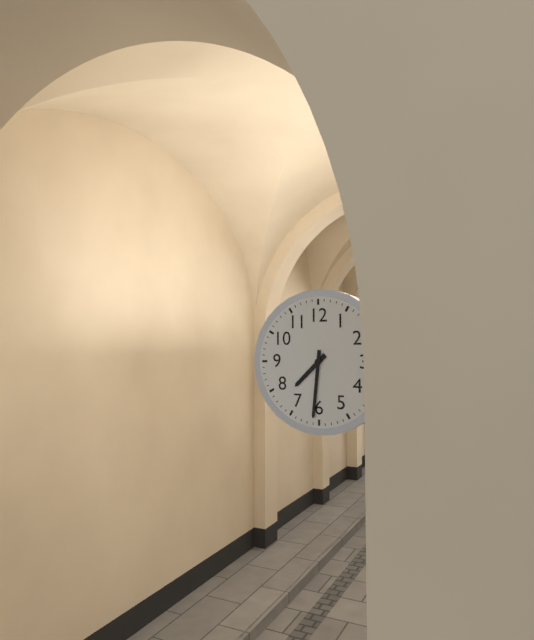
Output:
7 h 31 min
